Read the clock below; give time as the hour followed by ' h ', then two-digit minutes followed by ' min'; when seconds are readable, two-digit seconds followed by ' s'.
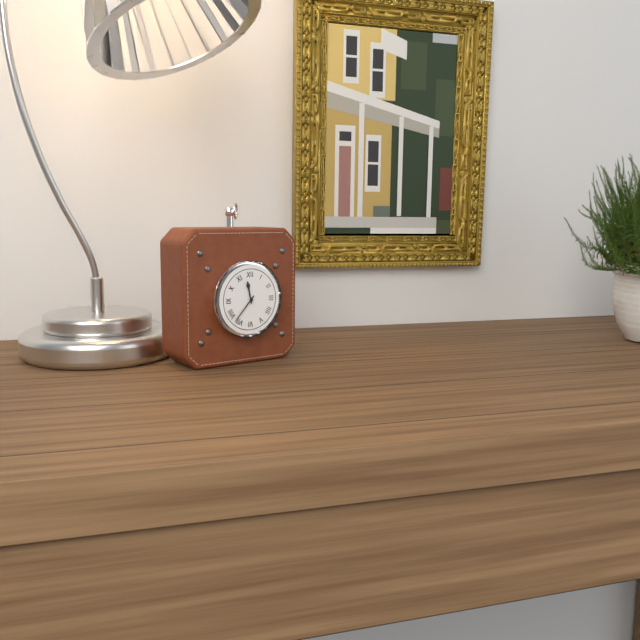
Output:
11 h 37 min
